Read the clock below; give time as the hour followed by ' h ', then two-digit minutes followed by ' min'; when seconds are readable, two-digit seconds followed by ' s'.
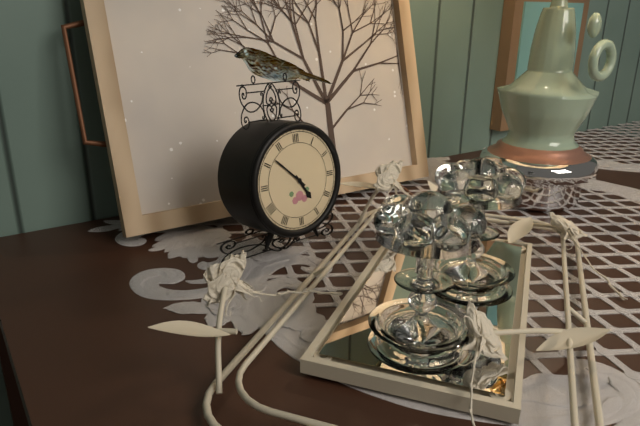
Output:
4 h 52 min
